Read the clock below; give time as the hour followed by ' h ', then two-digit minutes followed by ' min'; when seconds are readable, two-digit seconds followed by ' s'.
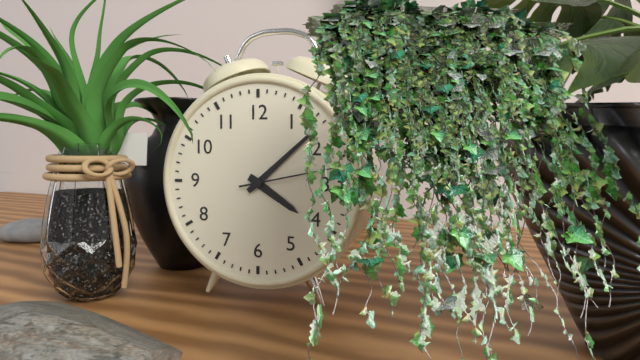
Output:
4 h 08 min
